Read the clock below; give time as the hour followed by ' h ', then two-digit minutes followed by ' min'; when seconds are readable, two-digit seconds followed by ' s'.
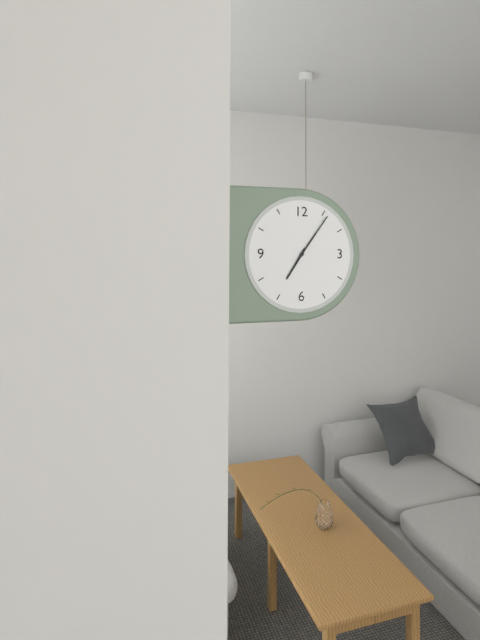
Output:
7 h 06 min
